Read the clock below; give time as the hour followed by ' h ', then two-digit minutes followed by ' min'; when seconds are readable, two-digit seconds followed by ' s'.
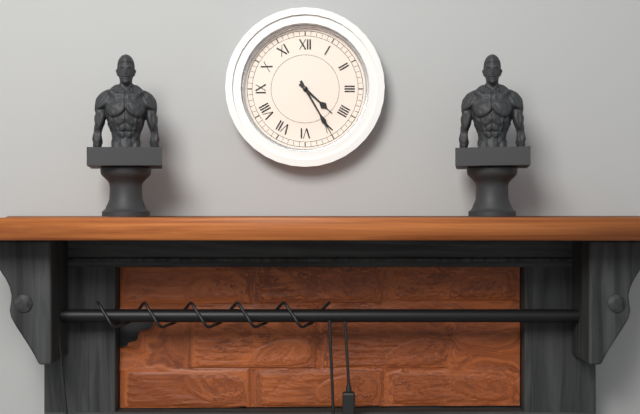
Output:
4 h 25 min
